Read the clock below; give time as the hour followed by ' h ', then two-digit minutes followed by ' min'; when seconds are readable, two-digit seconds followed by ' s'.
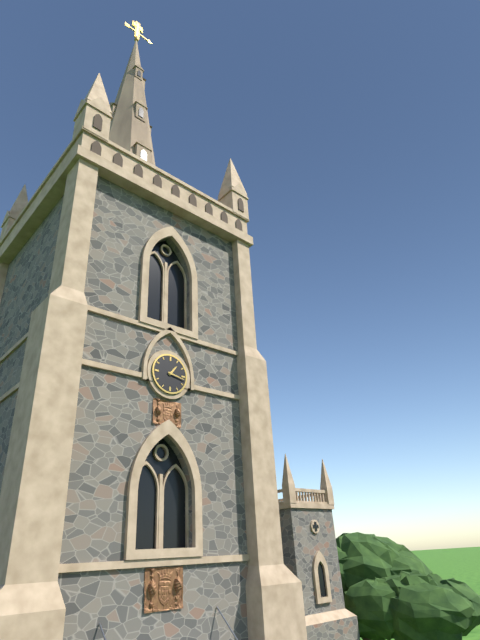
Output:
1 h 17 min
